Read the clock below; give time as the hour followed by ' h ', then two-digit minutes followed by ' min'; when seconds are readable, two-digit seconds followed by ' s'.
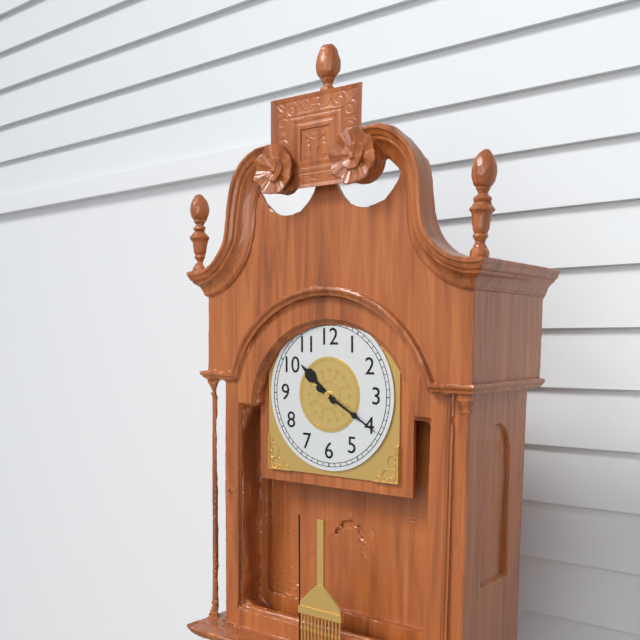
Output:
10 h 20 min
